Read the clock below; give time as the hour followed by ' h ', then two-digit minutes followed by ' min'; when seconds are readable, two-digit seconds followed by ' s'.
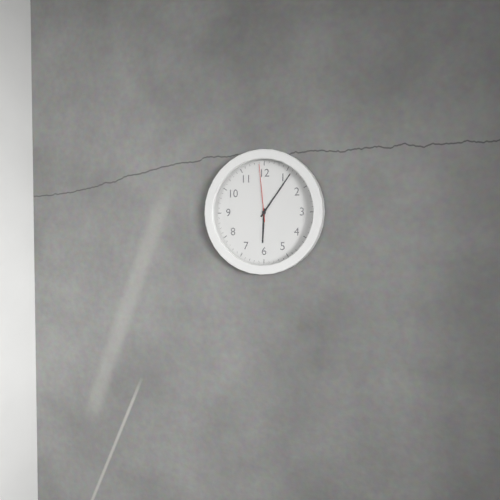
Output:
6 h 06 min 59 s
